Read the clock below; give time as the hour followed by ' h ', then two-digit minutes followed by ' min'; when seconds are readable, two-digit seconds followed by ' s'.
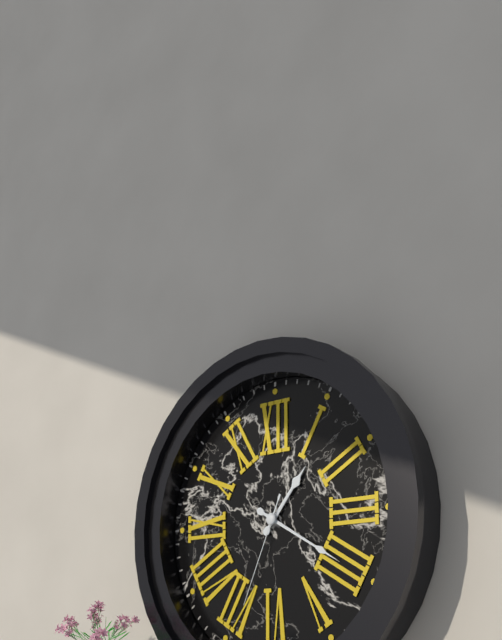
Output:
1 h 20 min 34 s
